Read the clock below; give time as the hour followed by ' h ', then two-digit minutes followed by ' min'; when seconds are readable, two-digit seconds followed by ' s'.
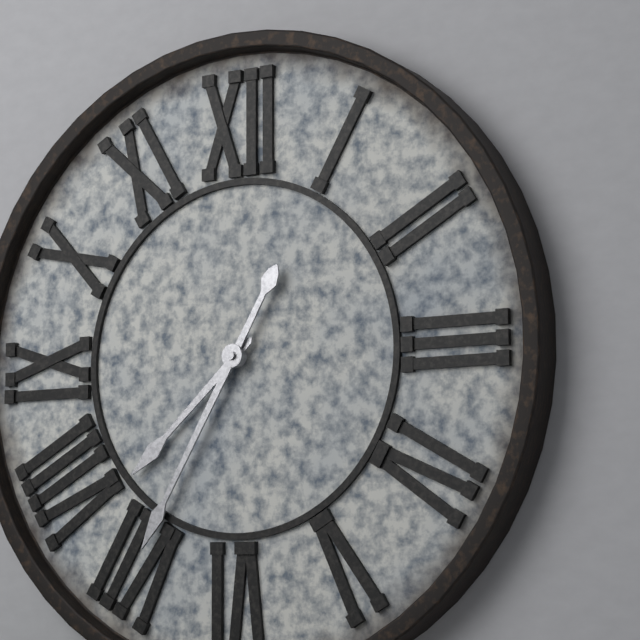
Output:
7 h 35 min
